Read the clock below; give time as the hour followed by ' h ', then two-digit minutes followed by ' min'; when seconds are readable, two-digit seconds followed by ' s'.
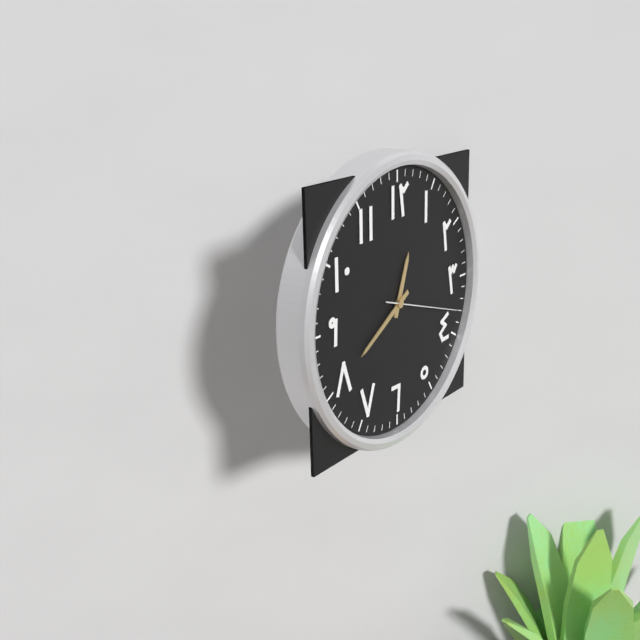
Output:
12 h 40 min 18 s
